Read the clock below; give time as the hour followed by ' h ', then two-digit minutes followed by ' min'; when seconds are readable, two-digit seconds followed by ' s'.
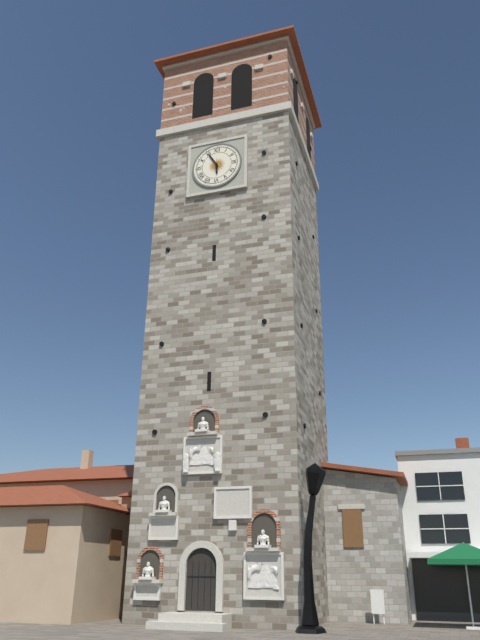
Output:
5 h 55 min
